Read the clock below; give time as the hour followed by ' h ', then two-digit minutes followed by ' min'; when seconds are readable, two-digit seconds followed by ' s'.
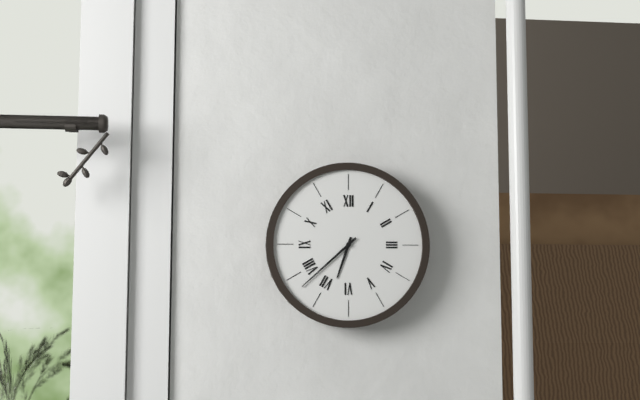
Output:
6 h 38 min
